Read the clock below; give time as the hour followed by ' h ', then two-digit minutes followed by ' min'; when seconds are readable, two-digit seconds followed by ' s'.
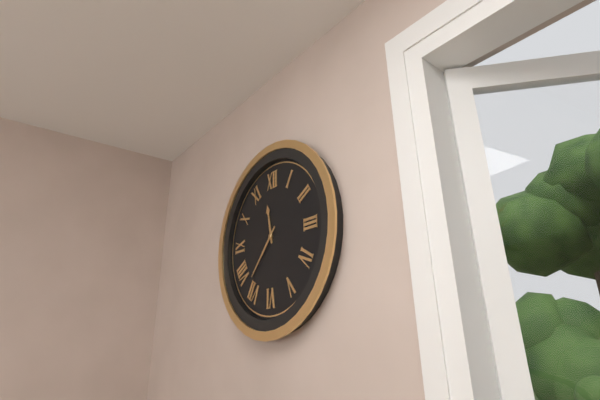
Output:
11 h 37 min
